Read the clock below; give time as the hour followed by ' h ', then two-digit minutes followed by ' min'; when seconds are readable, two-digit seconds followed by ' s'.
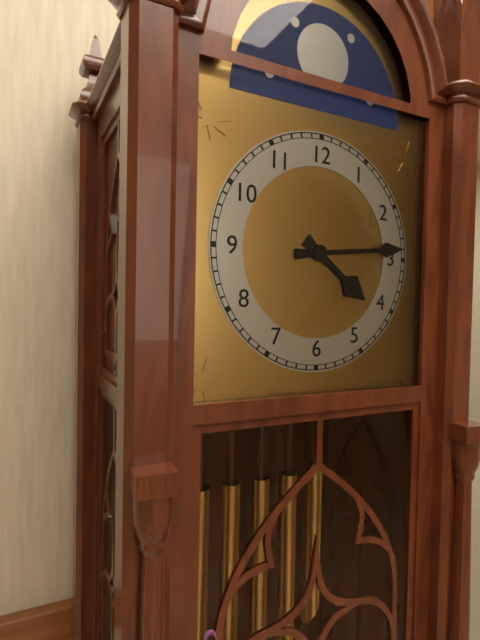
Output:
4 h 14 min
